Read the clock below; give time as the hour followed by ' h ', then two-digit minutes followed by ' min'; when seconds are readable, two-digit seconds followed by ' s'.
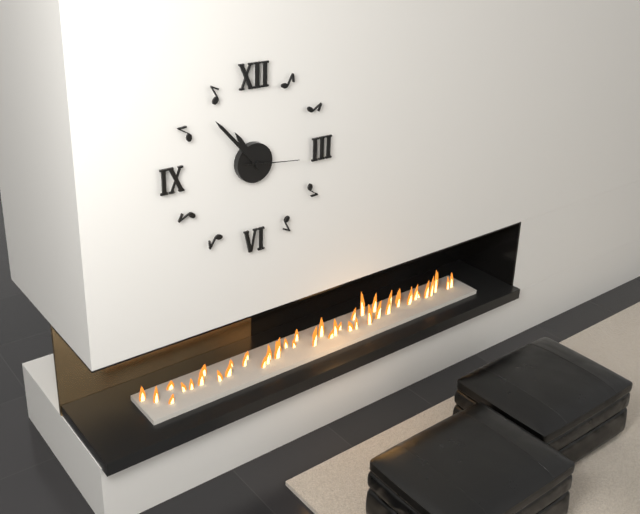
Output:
10 h 53 min 16 s
